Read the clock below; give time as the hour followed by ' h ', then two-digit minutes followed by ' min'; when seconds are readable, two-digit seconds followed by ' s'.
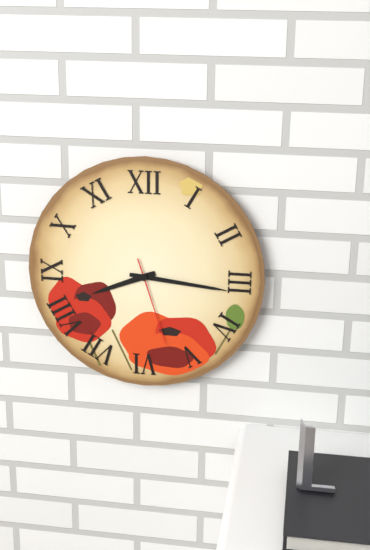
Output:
8 h 16 min 27 s
